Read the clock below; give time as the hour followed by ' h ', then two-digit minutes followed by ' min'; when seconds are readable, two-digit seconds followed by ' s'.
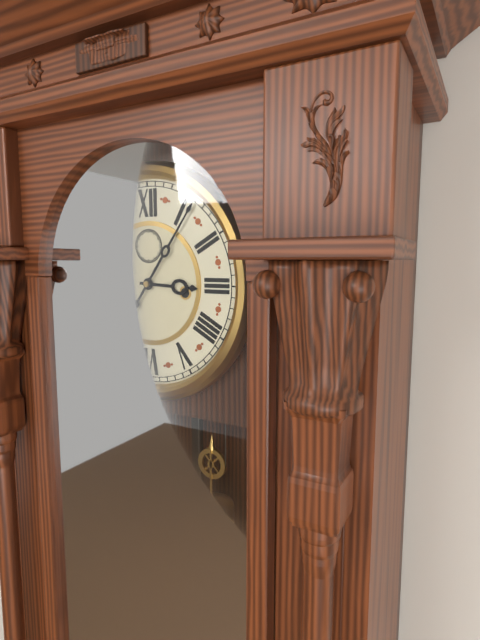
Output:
3 h 06 min
